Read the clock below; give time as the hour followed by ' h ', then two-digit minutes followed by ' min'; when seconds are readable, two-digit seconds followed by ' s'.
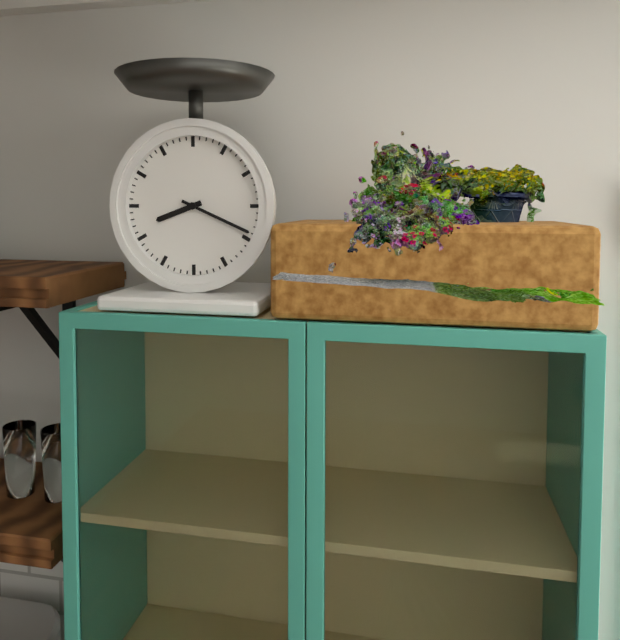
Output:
8 h 19 min
